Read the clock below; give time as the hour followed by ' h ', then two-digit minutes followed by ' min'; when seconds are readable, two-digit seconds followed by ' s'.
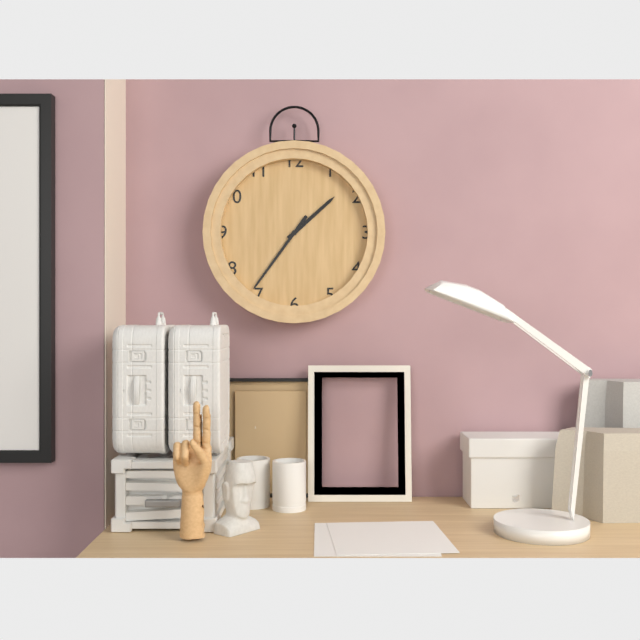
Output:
1 h 36 min
